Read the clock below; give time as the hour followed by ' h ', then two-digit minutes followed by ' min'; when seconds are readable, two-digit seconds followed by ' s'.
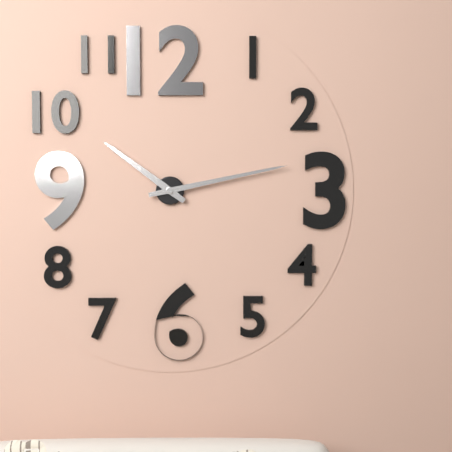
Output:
10 h 13 min
